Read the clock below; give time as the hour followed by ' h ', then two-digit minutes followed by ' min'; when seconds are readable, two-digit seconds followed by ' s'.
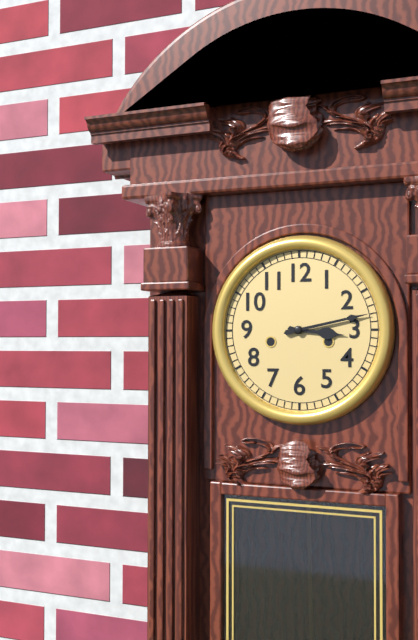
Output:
3 h 13 min
